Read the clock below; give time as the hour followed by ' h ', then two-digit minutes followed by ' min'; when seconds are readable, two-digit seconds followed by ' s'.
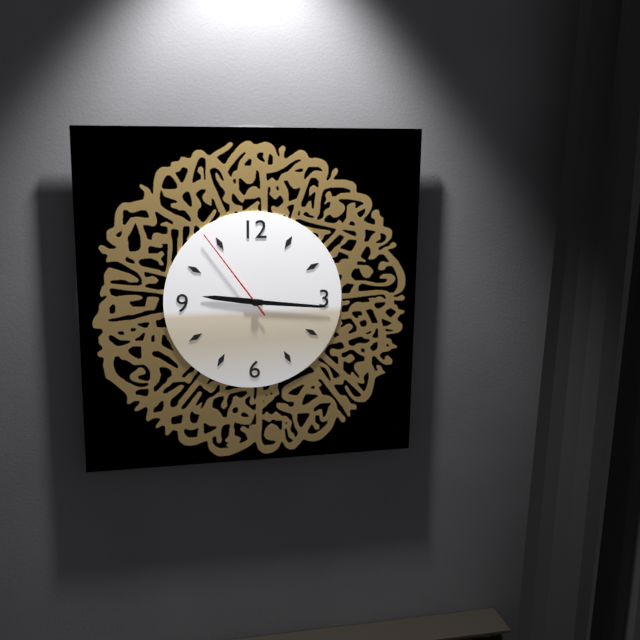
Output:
9 h 16 min 54 s
